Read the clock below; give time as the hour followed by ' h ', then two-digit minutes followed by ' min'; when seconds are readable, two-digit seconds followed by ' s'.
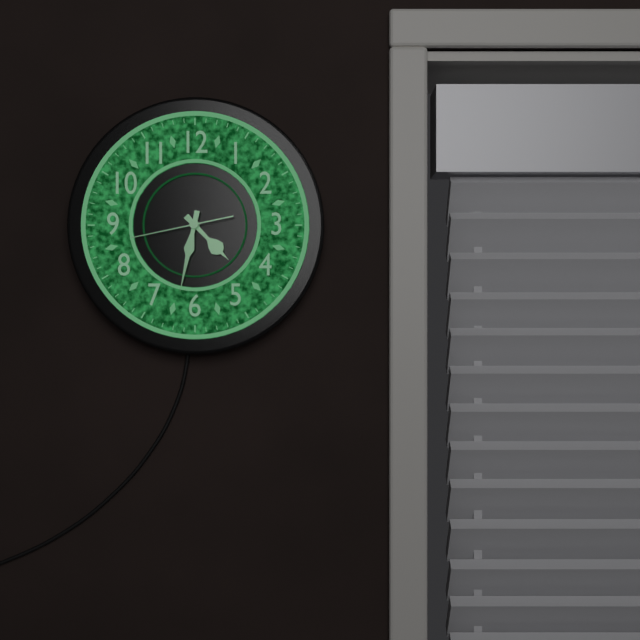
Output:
4 h 32 min 43 s
